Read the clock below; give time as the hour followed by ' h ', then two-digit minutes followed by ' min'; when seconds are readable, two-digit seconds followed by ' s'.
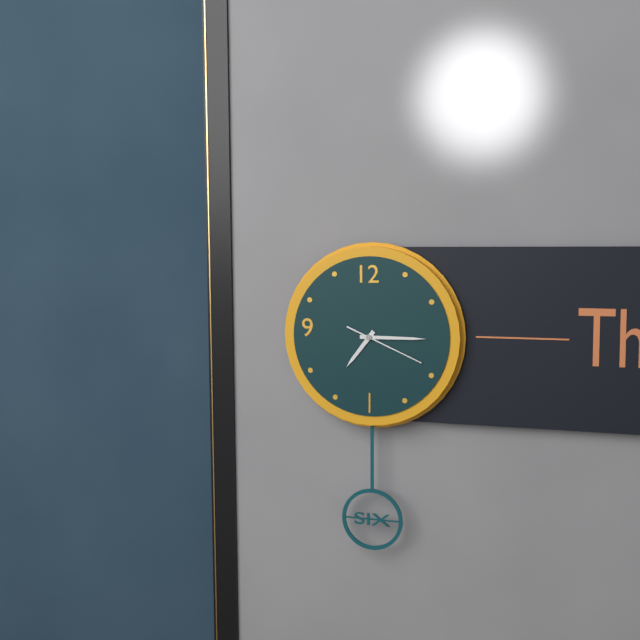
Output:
7 h 15 min 19 s
